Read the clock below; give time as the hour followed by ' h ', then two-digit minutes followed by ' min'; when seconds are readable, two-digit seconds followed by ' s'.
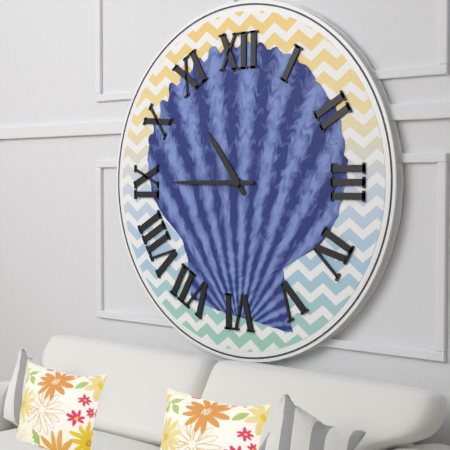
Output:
10 h 45 min
